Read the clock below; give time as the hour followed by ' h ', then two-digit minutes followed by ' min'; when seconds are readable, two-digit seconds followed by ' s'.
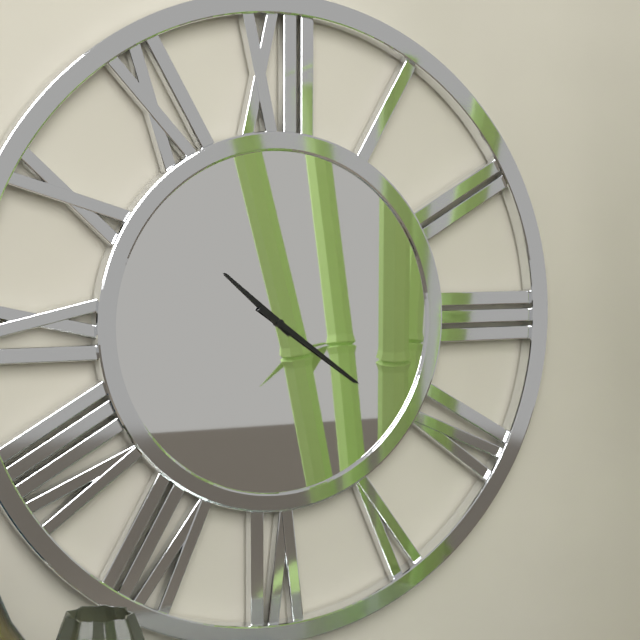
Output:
10 h 21 min
